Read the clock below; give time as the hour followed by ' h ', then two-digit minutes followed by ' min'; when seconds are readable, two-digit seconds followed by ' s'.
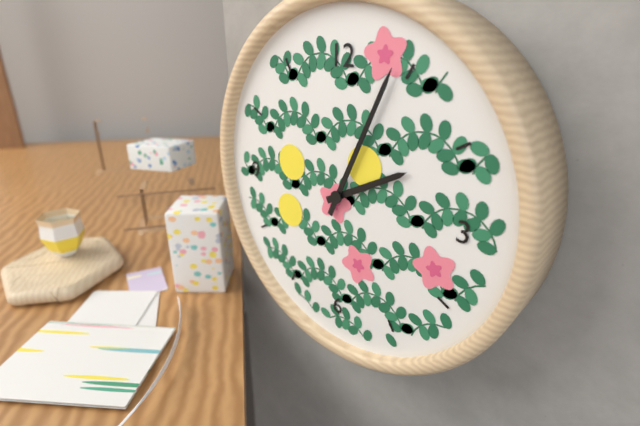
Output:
2 h 04 min
